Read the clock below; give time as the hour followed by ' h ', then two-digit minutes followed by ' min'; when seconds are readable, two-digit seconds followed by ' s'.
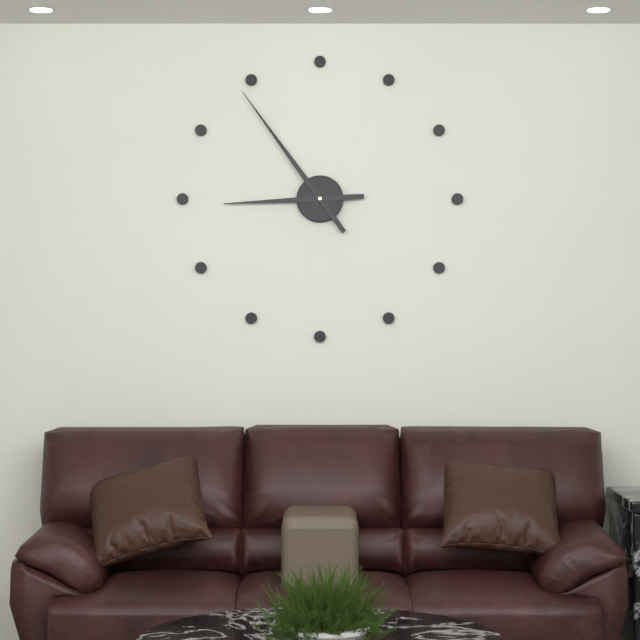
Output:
8 h 54 min
